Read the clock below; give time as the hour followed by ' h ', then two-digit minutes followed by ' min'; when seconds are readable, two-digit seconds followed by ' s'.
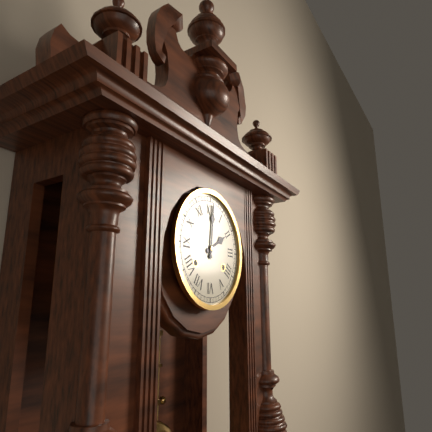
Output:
2 h 01 min
